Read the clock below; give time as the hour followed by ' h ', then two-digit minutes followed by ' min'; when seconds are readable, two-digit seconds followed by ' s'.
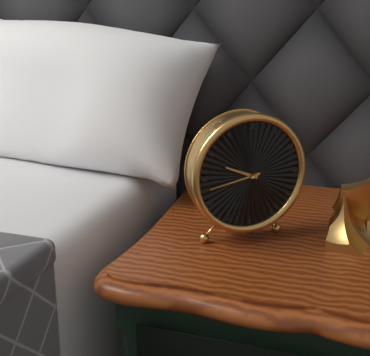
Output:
9 h 43 min
